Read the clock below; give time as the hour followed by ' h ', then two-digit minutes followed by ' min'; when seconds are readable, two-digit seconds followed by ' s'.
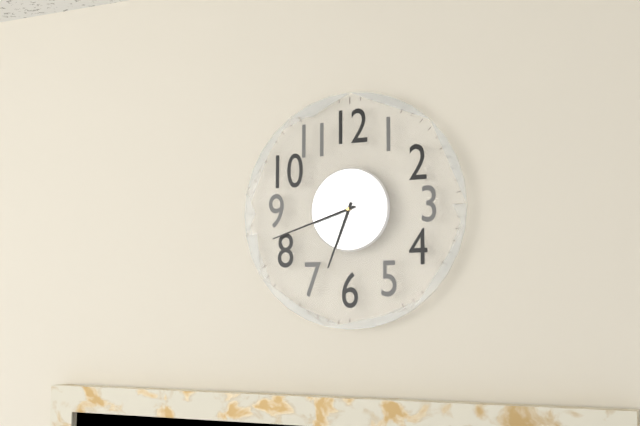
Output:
6 h 42 min
